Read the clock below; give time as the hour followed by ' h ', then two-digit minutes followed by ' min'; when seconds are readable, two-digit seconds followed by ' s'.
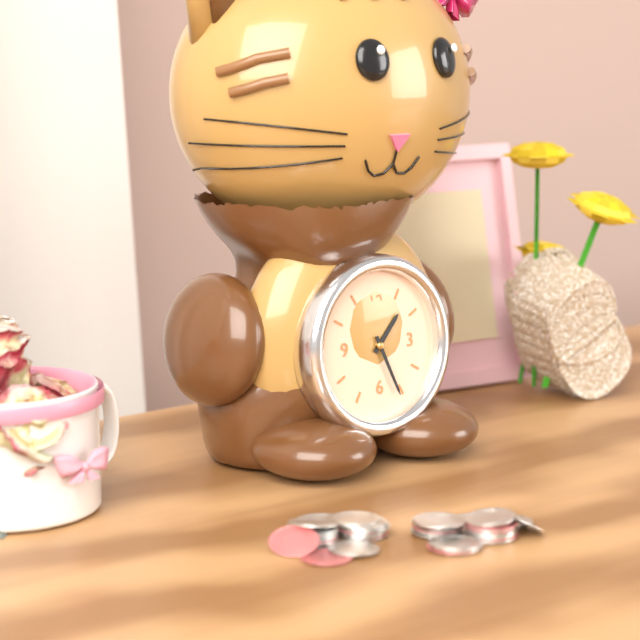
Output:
1 h 26 min
